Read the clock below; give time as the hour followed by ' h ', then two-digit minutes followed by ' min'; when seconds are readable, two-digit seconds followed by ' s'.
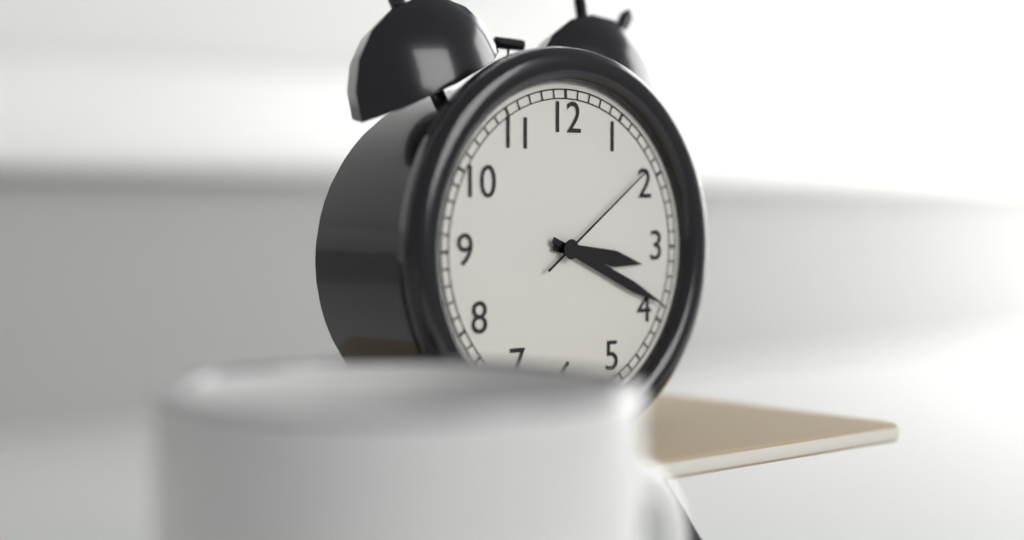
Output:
3 h 19 min 09 s
